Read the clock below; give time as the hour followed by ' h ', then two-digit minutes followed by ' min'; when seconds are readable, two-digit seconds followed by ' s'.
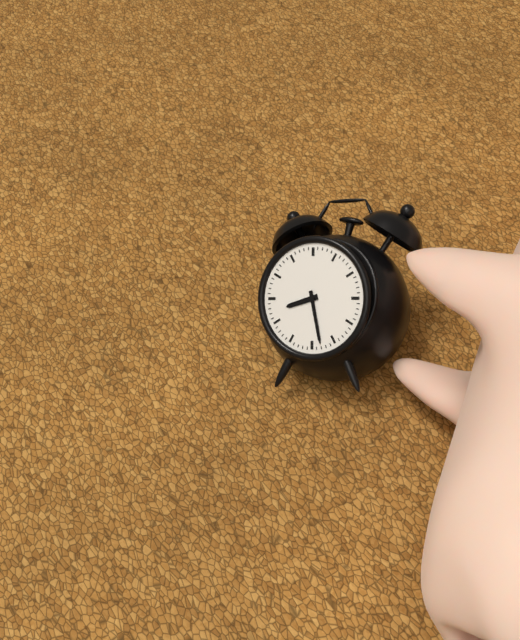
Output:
8 h 28 min
